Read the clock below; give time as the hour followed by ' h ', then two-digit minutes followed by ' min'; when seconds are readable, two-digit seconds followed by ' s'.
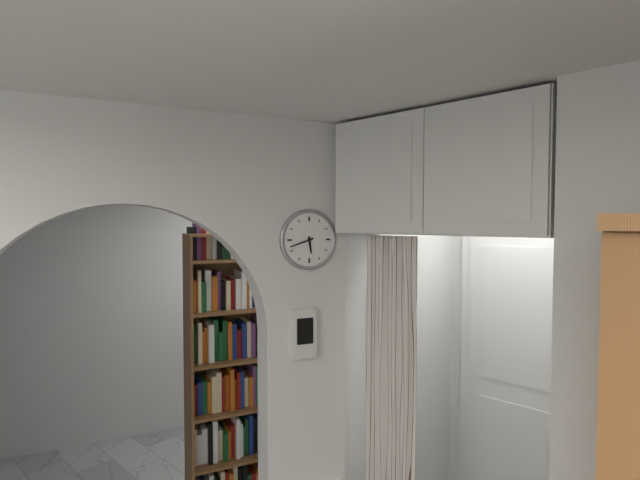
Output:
5 h 42 min
